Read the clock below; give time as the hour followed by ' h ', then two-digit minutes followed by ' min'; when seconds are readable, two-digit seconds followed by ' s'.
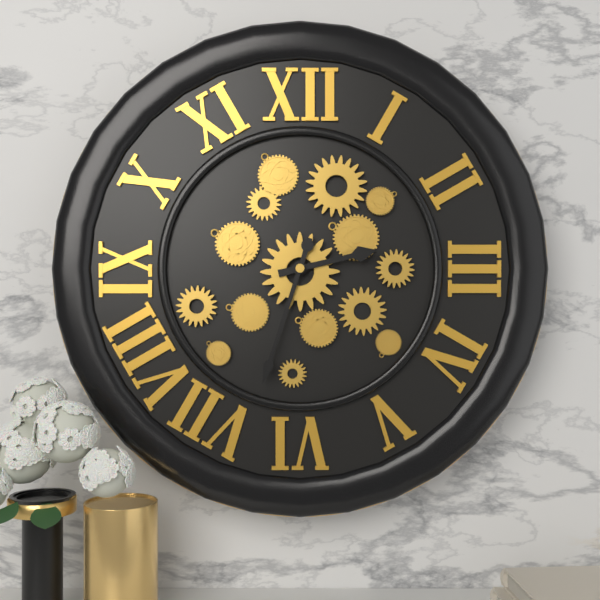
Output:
2 h 33 min
